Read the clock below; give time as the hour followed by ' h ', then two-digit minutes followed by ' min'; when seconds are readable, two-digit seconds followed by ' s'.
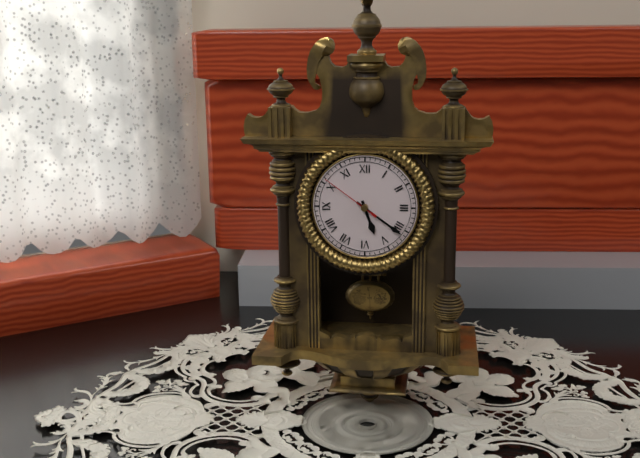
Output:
5 h 21 min 51 s
